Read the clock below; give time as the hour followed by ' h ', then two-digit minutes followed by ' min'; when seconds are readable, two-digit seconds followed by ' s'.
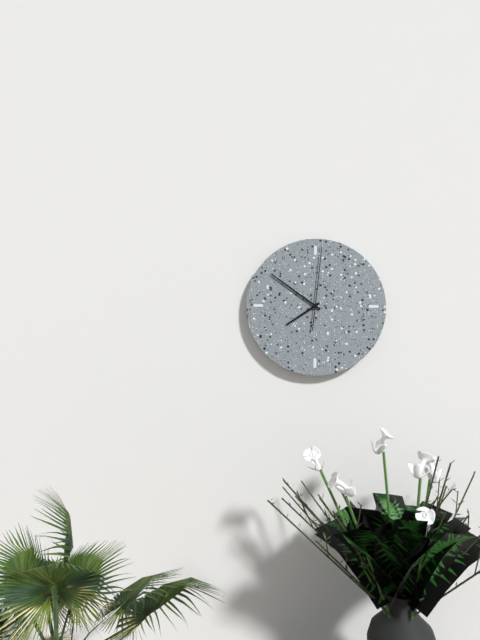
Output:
7 h 51 min 01 s
